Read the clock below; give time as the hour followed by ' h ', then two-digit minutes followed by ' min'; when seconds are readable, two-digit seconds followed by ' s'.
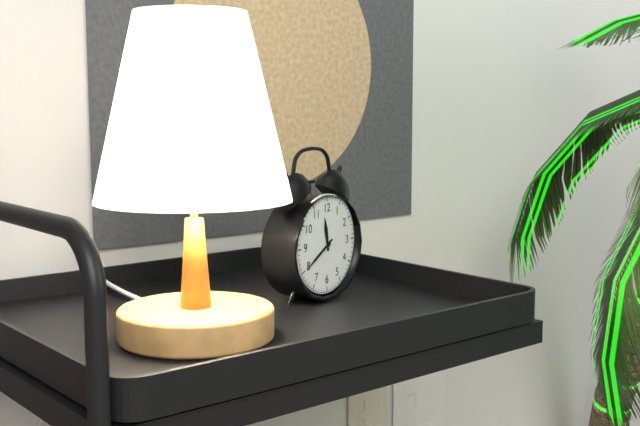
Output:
11 h 40 min
